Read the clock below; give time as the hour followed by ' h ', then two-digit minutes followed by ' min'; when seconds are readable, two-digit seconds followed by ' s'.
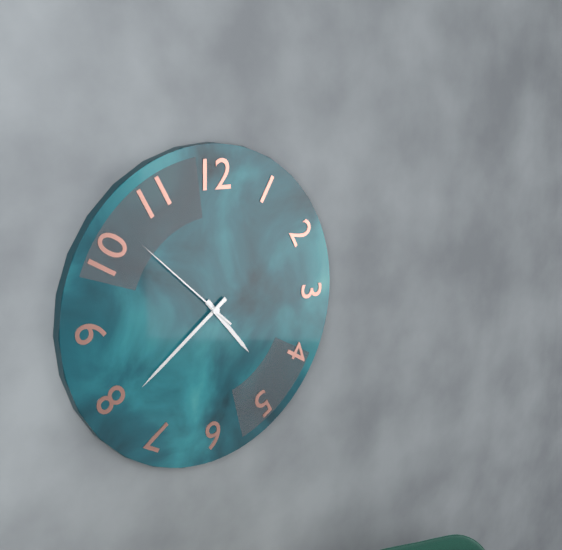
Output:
4 h 39 min 52 s
